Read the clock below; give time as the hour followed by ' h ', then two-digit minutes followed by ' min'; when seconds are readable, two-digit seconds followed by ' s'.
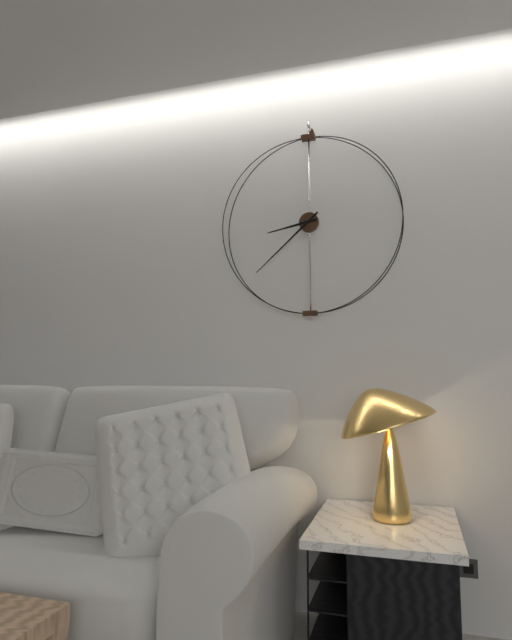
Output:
8 h 38 min
